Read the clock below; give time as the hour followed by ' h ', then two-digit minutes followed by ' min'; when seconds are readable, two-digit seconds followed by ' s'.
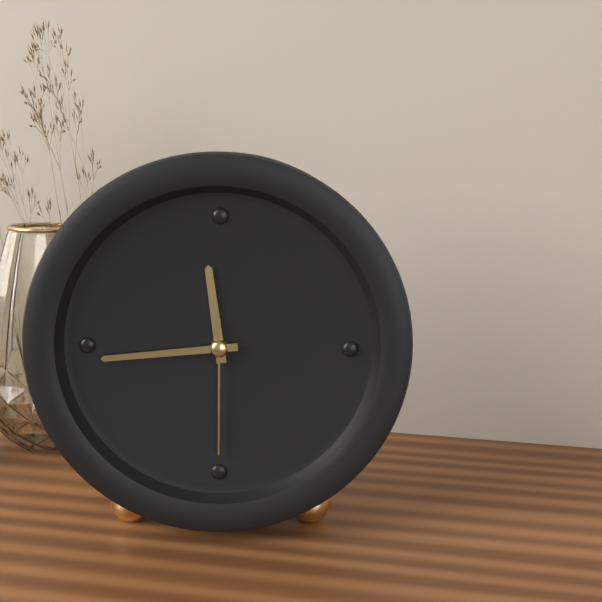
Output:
11 h 44 min 30 s
